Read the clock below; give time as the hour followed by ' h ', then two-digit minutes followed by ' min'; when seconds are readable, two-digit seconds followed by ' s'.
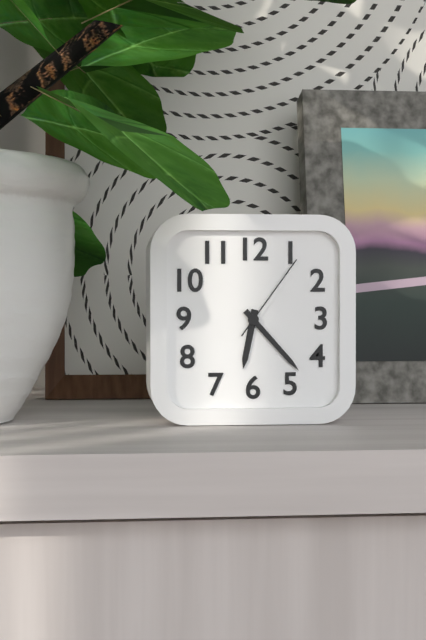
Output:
6 h 23 min 06 s
